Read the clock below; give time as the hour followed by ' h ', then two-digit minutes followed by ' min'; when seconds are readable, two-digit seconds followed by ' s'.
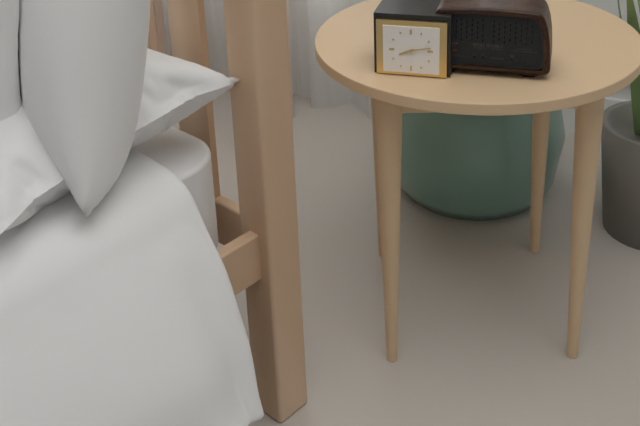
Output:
8 h 13 min
